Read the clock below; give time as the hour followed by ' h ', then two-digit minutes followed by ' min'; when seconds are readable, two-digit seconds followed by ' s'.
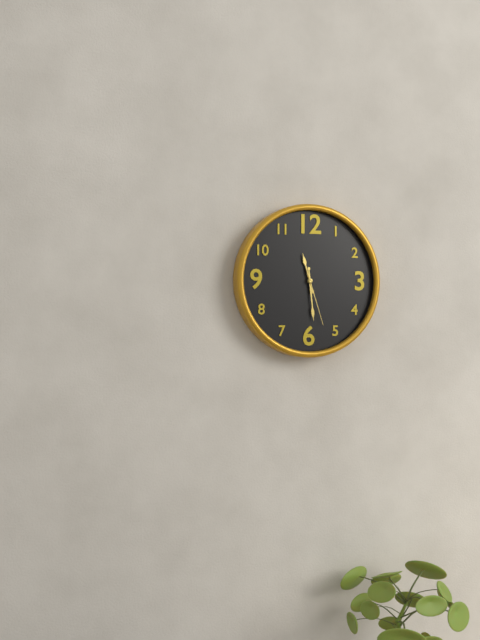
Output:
11 h 29 min 27 s
